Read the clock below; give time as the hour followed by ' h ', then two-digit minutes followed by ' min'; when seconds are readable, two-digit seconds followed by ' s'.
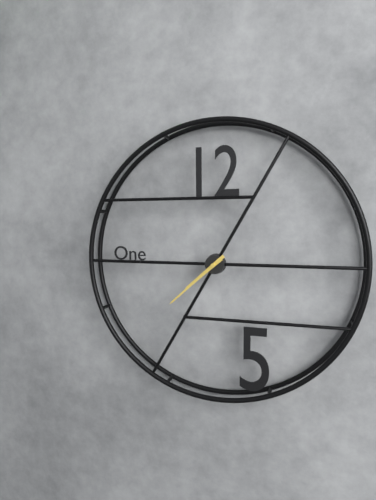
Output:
7 h 38 min
